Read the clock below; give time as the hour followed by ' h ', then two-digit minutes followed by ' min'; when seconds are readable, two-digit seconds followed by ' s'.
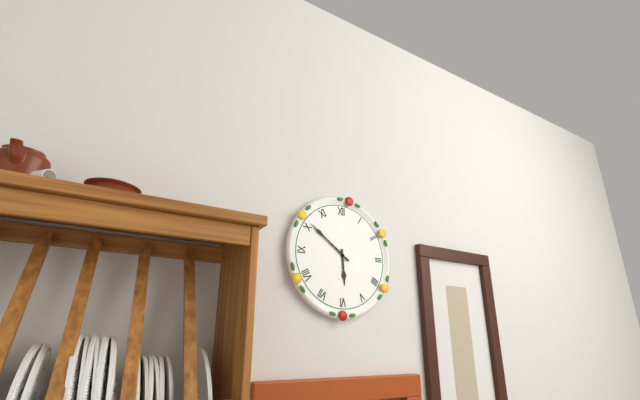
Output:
5 h 51 min
